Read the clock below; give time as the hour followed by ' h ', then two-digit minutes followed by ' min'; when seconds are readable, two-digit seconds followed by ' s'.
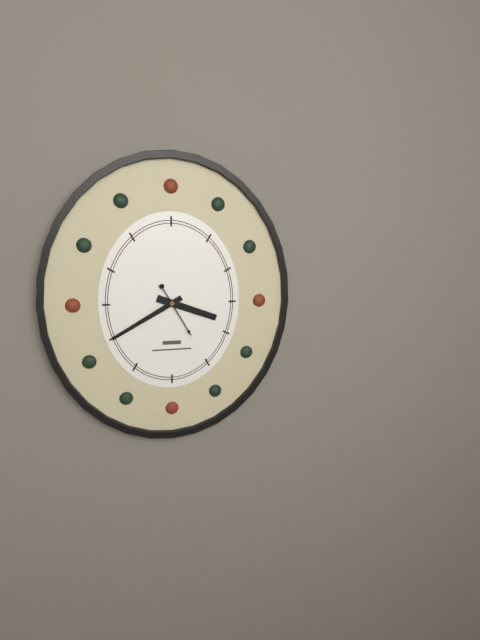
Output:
3 h 40 min
